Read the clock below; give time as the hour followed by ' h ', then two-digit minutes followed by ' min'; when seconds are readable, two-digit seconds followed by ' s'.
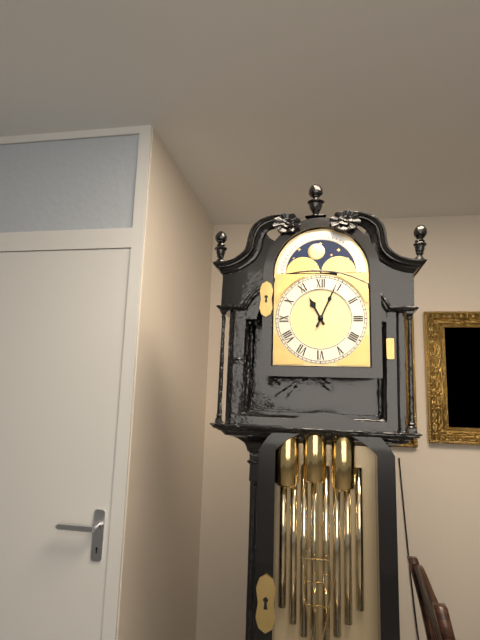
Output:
11 h 04 min
